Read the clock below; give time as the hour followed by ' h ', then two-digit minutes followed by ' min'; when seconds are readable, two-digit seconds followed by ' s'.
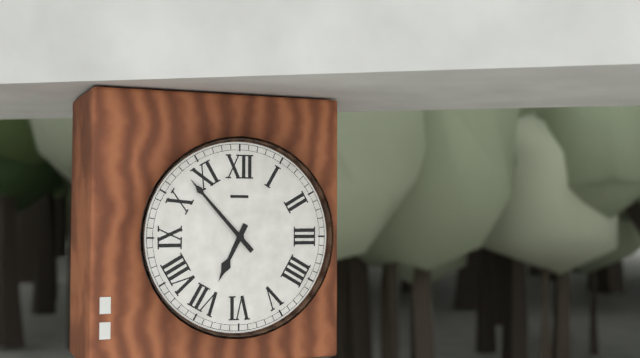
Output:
6 h 53 min
